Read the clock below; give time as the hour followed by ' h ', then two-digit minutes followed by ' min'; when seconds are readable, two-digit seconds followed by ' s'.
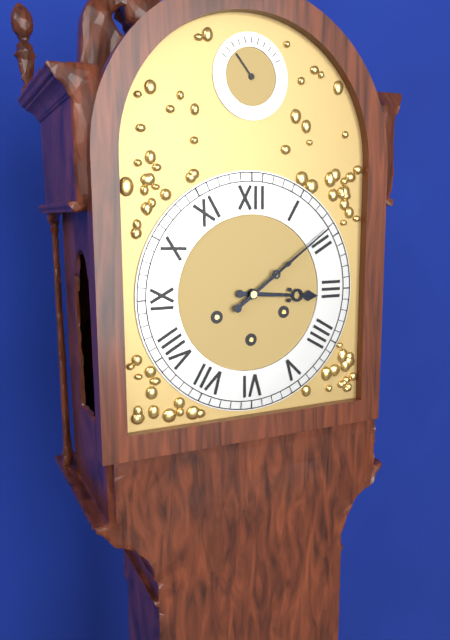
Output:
3 h 09 min
